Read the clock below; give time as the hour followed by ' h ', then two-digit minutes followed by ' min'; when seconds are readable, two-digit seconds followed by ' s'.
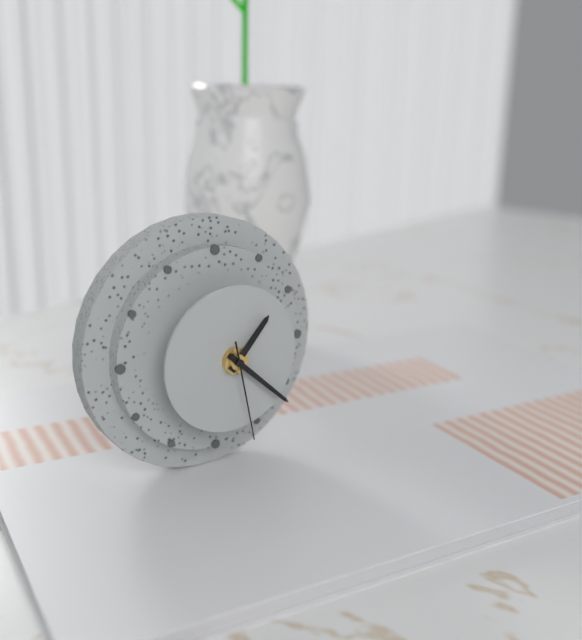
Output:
1 h 22 min 28 s
